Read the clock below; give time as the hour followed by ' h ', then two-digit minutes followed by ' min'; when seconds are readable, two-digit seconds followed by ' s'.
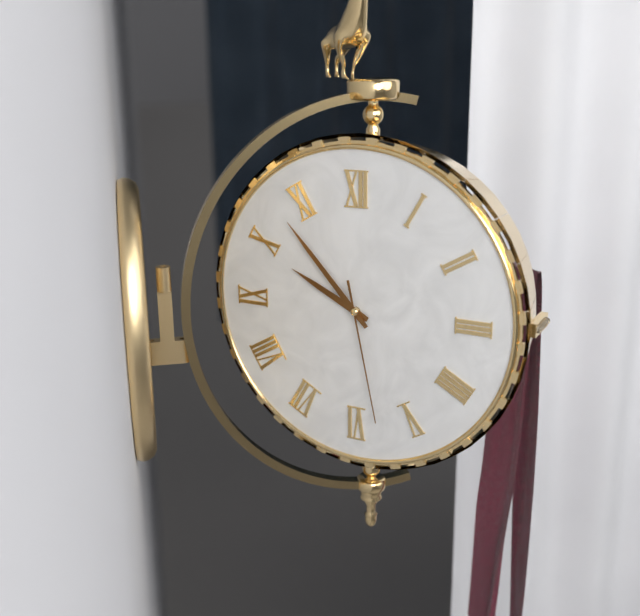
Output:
9 h 53 min 28 s
